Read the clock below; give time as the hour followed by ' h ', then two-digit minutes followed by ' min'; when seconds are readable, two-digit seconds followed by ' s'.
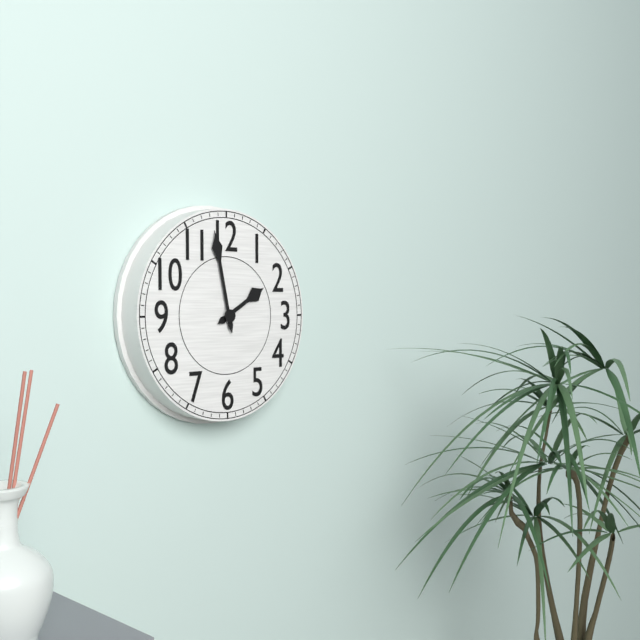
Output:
1 h 58 min
